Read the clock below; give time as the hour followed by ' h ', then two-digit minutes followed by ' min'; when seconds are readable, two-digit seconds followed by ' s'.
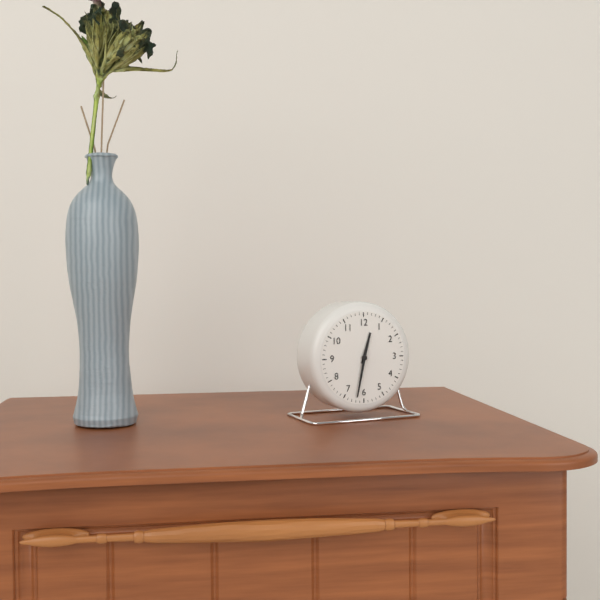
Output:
12 h 32 min
